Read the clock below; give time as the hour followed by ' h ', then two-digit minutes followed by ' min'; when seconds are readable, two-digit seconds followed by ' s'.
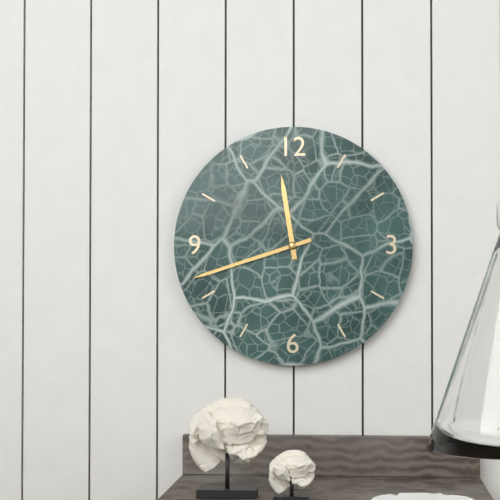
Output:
11 h 42 min
